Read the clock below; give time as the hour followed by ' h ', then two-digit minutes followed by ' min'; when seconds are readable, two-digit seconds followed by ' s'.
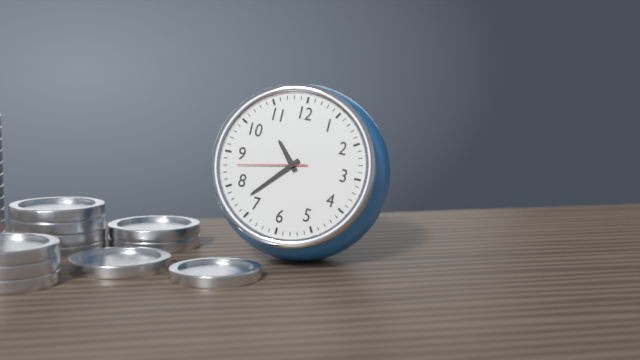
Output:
10 h 37 min 43 s
